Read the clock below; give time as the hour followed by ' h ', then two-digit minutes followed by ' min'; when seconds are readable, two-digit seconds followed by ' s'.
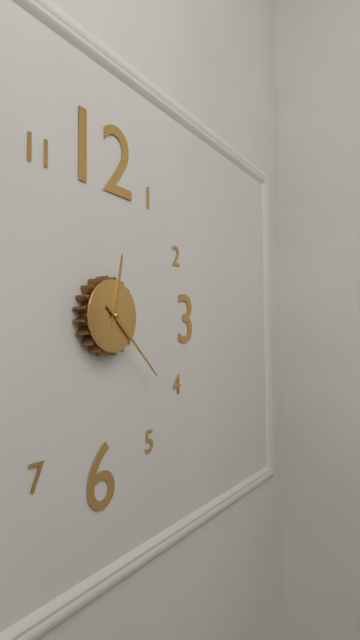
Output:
12 h 22 min
